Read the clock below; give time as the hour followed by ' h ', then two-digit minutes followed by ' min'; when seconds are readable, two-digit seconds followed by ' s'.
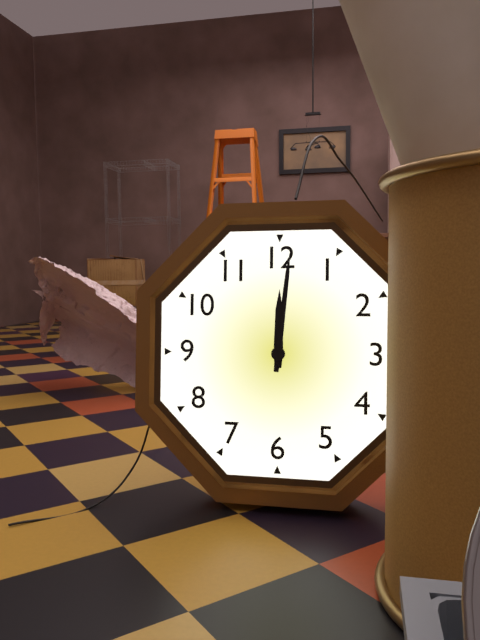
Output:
12 h 01 min
